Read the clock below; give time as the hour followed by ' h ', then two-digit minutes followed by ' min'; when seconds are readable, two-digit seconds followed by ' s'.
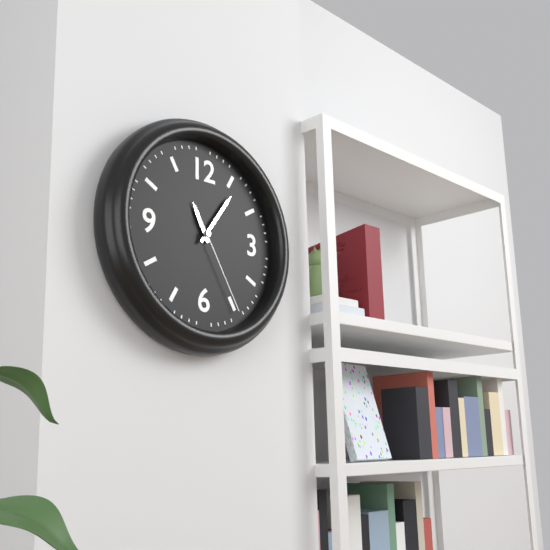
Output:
11 h 06 min 25 s
